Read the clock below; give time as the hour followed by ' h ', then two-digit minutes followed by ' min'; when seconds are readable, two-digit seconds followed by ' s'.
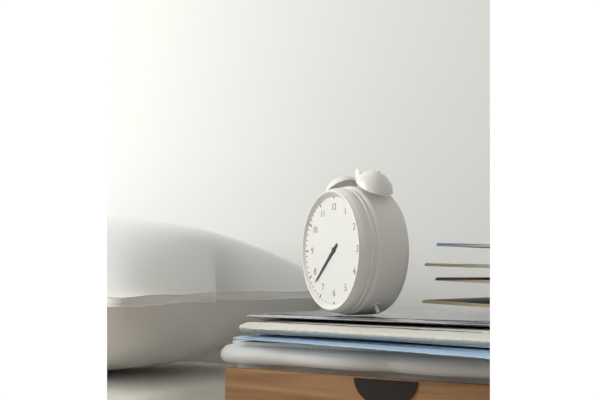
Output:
7 h 38 min
